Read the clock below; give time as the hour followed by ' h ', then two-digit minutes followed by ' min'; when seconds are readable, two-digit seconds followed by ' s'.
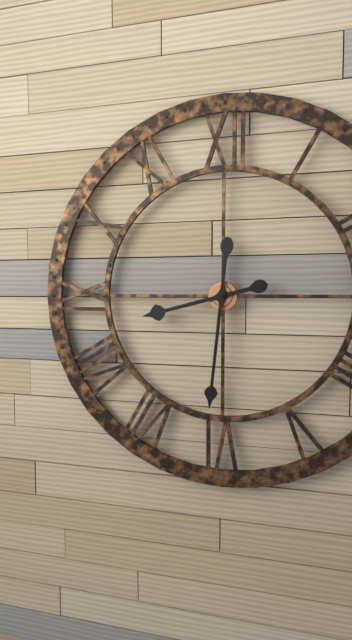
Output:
8 h 31 min
